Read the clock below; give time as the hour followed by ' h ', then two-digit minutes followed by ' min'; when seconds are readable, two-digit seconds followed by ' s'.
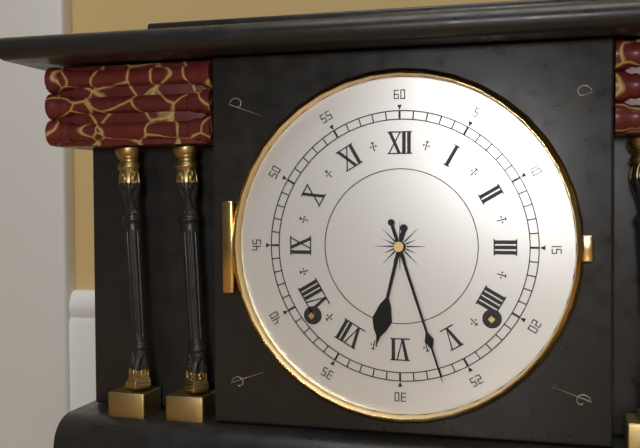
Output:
6 h 27 min
